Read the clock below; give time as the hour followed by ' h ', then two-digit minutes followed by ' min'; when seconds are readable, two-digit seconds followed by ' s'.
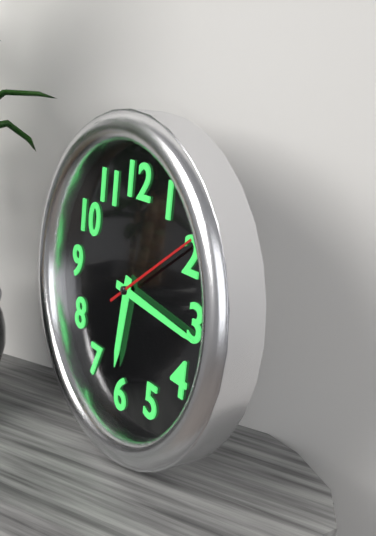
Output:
6 h 16 min 09 s
